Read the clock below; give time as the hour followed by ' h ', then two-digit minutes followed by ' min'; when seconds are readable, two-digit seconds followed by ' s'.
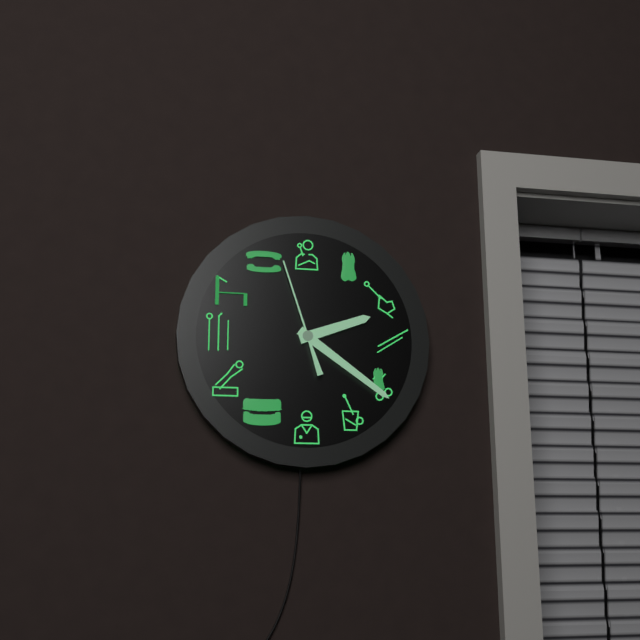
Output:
2 h 21 min 57 s
